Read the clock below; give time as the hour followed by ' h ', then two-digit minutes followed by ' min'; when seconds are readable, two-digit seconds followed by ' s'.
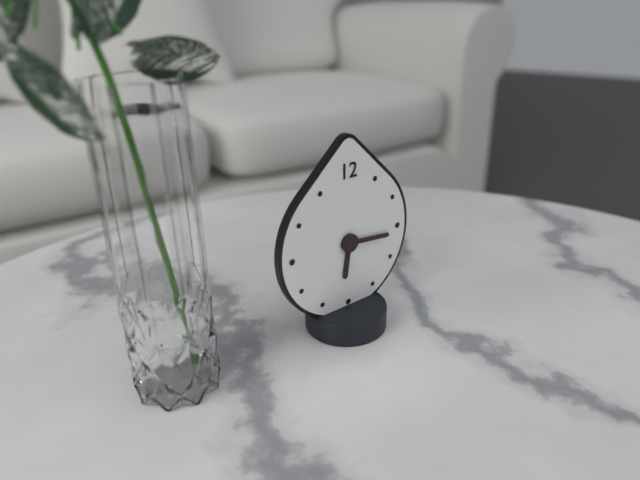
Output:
6 h 16 min
